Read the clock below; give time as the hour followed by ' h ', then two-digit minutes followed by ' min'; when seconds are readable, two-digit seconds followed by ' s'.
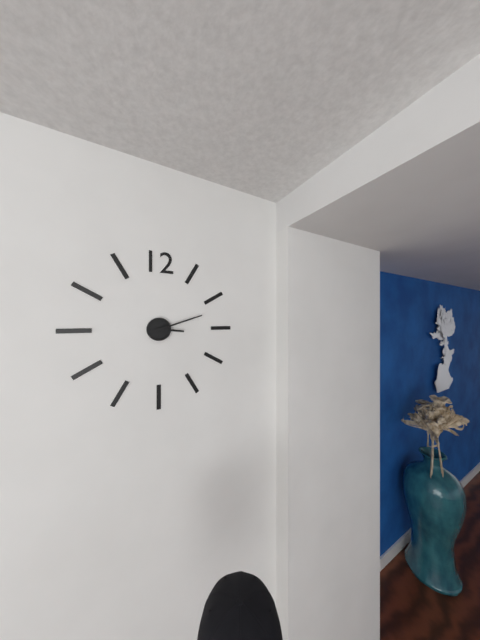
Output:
3 h 12 min
